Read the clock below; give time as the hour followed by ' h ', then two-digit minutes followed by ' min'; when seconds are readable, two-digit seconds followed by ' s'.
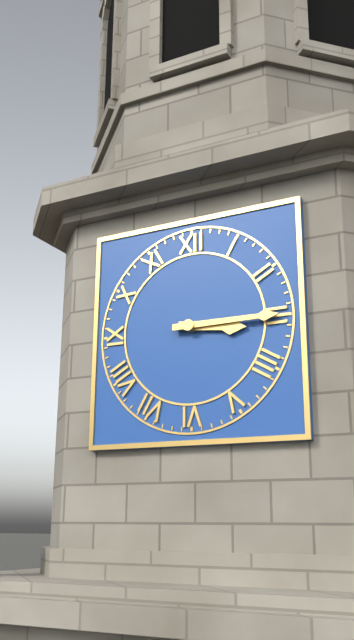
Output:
3 h 15 min
